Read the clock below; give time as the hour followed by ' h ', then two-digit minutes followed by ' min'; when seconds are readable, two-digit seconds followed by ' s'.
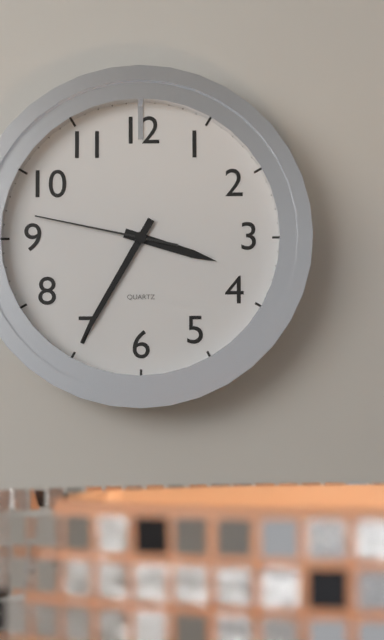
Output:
3 h 35 min 47 s
